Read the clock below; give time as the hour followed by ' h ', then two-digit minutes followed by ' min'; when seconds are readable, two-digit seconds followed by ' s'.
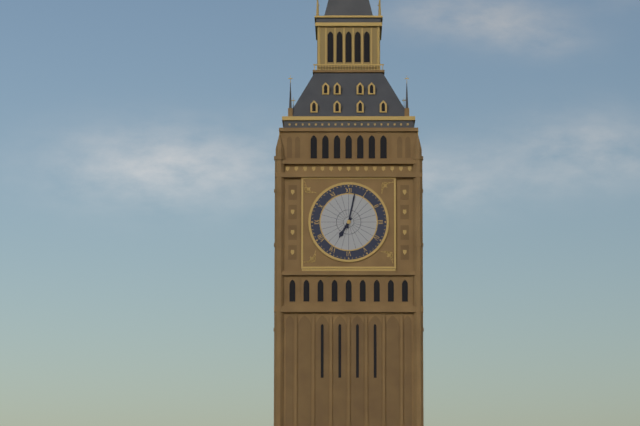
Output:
7 h 02 min
